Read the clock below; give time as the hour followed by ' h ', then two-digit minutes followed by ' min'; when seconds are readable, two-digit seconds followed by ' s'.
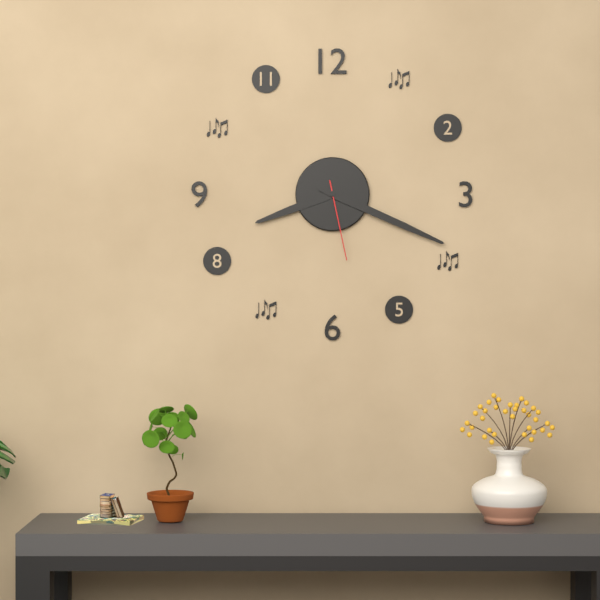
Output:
8 h 19 min 28 s
